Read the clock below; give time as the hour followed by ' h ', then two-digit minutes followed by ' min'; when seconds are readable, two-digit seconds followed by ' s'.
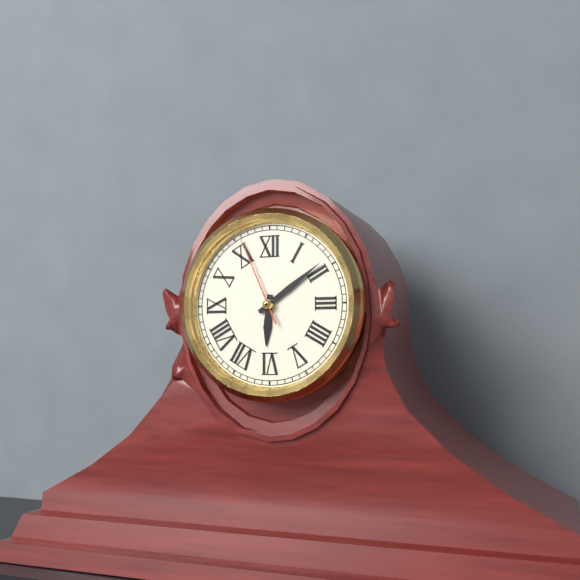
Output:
6 h 09 min 56 s
